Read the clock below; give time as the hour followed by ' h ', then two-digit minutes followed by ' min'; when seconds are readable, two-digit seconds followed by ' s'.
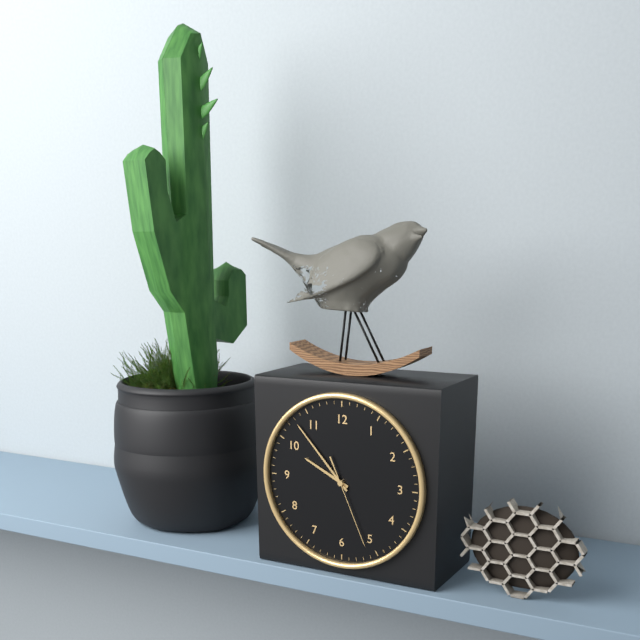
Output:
9 h 53 min 26 s
